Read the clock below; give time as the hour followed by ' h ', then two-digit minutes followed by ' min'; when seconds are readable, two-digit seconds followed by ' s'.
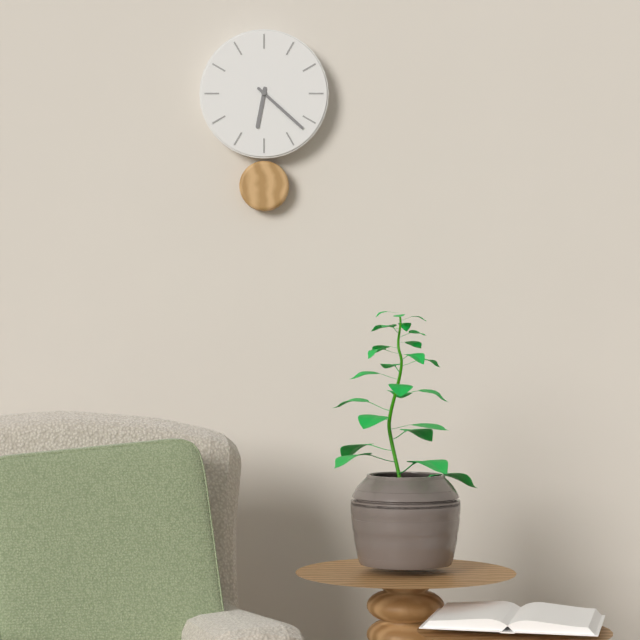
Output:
6 h 22 min
